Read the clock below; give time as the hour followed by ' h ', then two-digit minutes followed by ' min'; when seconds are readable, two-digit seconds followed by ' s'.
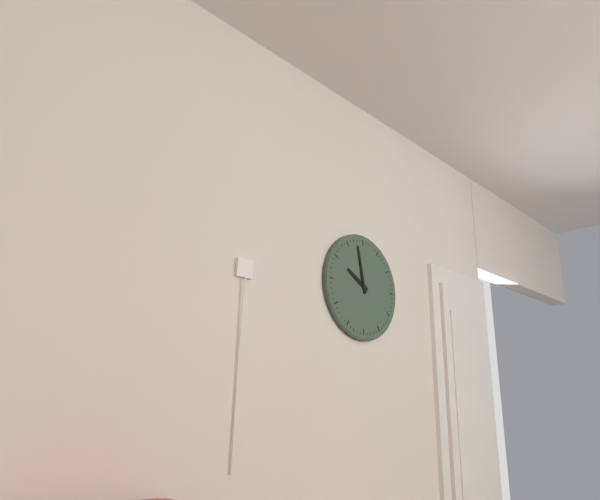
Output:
9 h 58 min
